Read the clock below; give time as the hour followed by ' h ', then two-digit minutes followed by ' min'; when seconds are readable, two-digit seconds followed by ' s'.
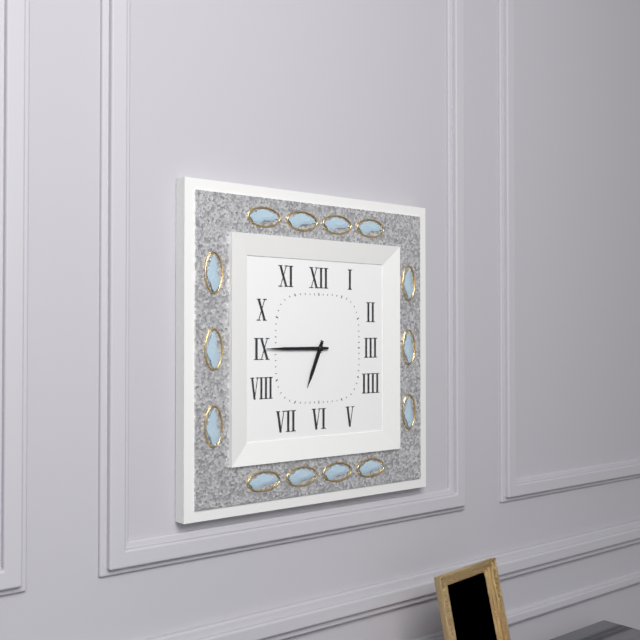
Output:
6 h 45 min
